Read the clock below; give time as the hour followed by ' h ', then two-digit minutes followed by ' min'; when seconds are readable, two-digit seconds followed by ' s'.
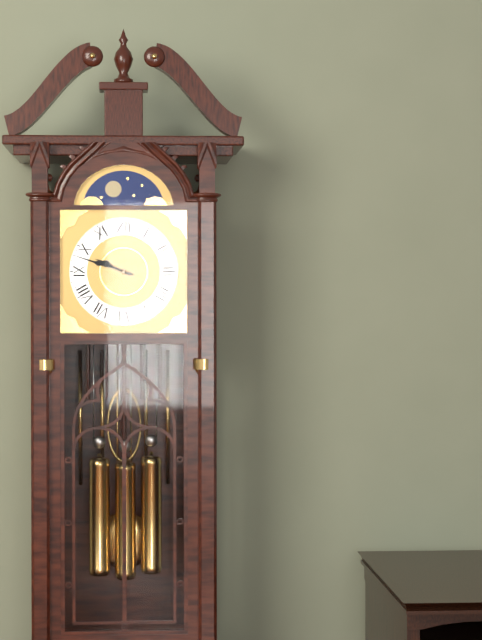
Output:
9 h 48 min
